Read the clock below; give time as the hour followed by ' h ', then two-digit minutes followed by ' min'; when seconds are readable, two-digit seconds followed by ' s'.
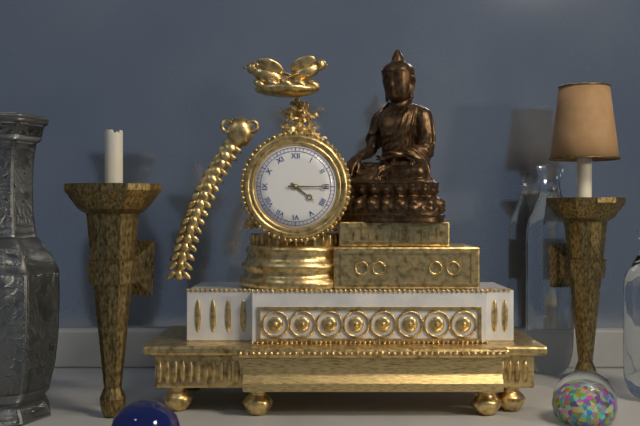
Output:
4 h 15 min
